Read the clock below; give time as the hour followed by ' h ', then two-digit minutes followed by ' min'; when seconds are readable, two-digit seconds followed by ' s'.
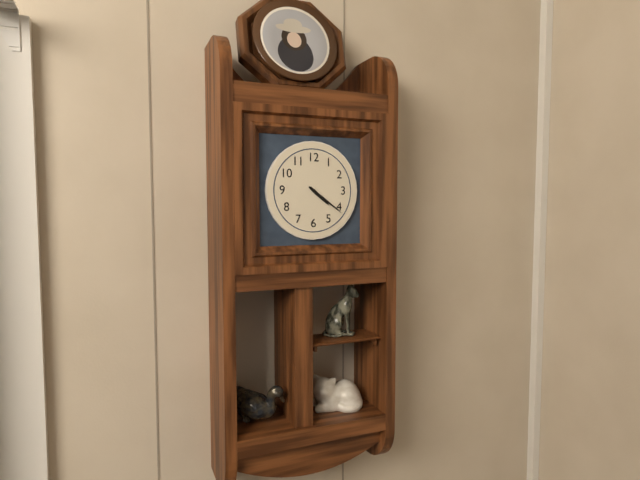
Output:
4 h 21 min
